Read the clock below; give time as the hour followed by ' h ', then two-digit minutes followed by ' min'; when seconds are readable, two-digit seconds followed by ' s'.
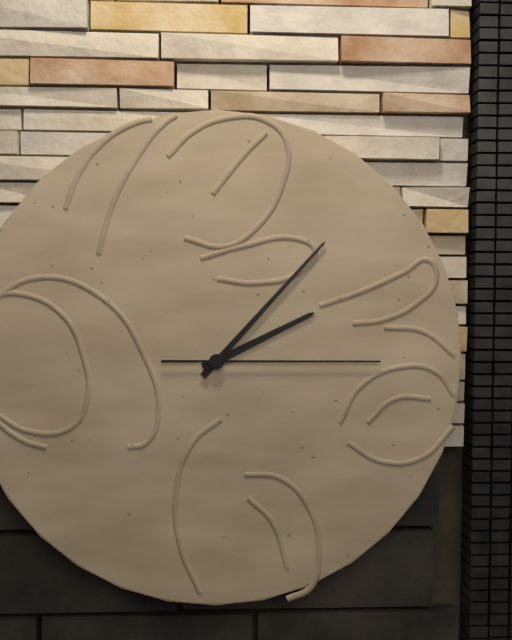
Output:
2 h 07 min 15 s
